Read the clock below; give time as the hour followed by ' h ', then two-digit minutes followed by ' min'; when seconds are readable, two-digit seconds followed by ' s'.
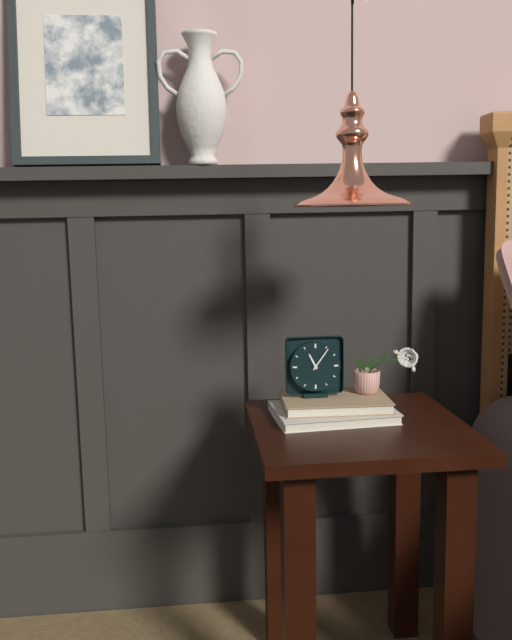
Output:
11 h 06 min
